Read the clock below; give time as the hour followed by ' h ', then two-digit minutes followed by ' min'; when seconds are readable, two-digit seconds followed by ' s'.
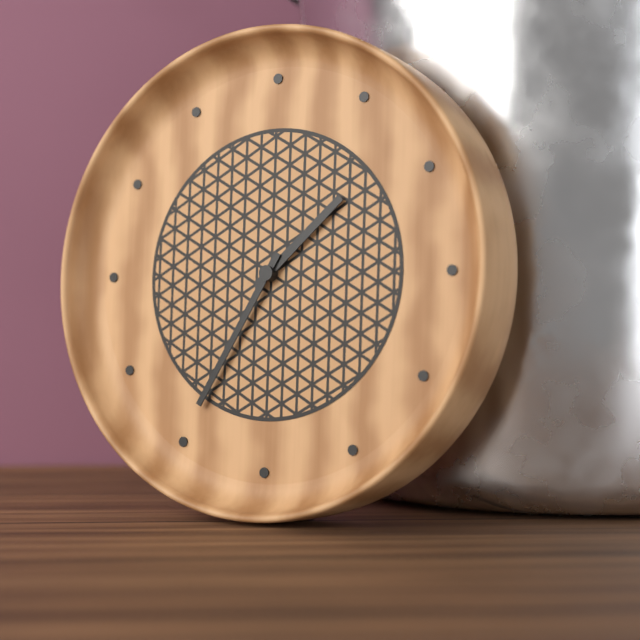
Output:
1 h 35 min
